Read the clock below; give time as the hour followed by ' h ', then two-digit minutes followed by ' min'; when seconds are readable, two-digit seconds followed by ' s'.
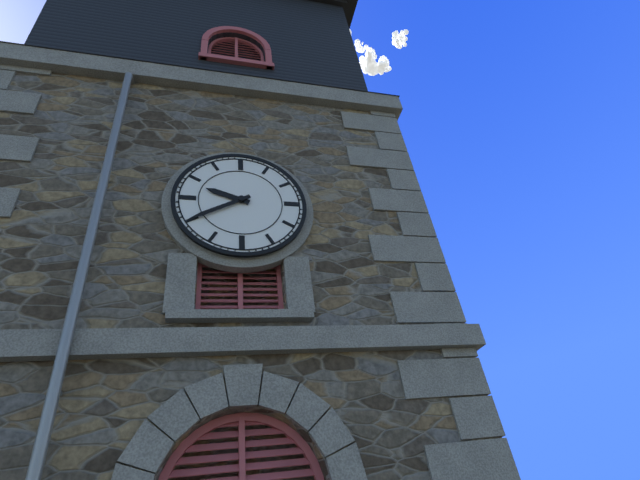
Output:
9 h 40 min
